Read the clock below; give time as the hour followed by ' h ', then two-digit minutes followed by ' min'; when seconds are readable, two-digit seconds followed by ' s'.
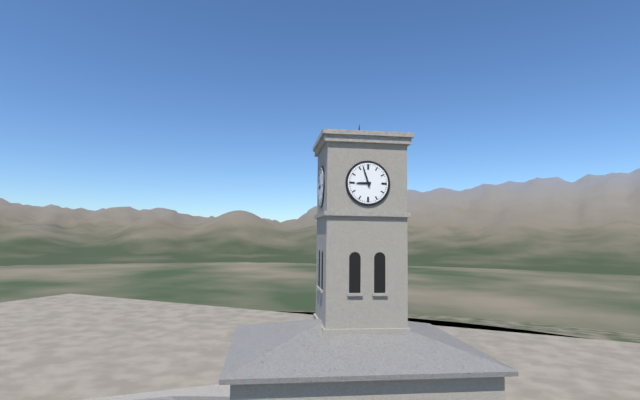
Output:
8 h 57 min
